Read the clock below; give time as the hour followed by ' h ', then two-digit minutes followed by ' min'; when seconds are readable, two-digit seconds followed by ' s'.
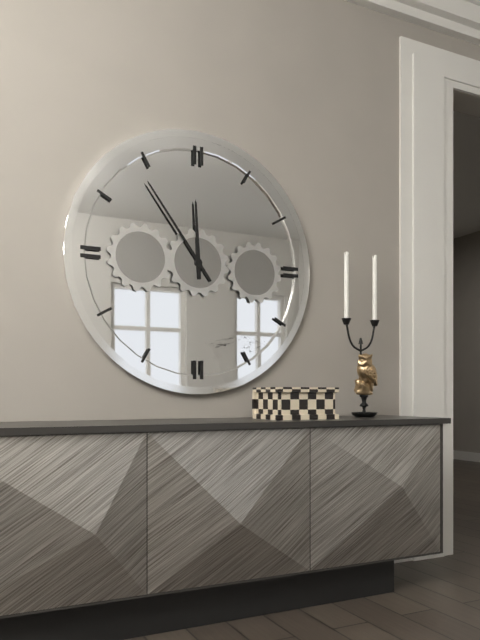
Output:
11 h 54 min
